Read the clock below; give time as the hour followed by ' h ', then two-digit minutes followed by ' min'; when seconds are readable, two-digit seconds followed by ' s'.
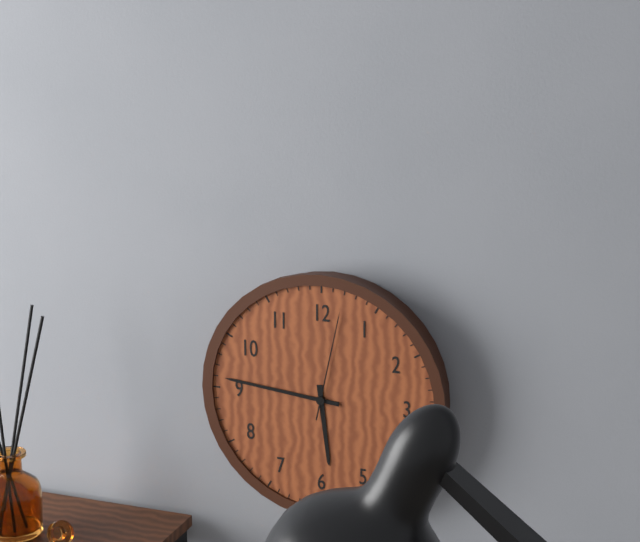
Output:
5 h 46 min 02 s
